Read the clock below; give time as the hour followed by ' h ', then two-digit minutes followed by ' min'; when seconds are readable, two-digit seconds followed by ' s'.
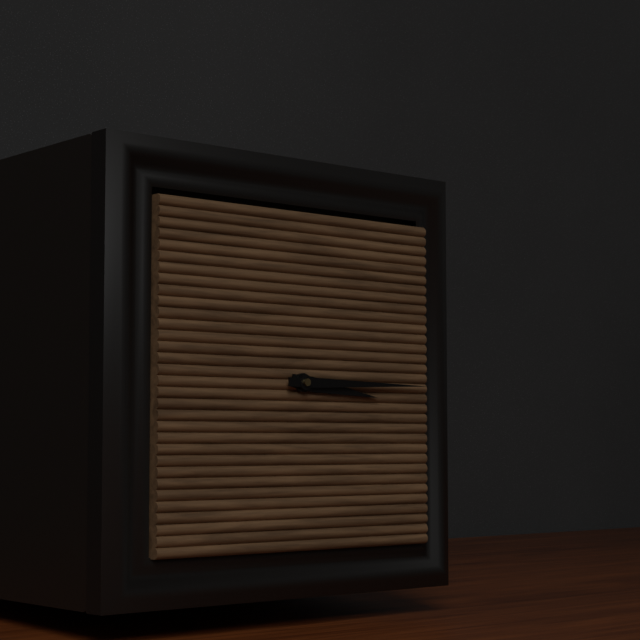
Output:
3 h 15 min
